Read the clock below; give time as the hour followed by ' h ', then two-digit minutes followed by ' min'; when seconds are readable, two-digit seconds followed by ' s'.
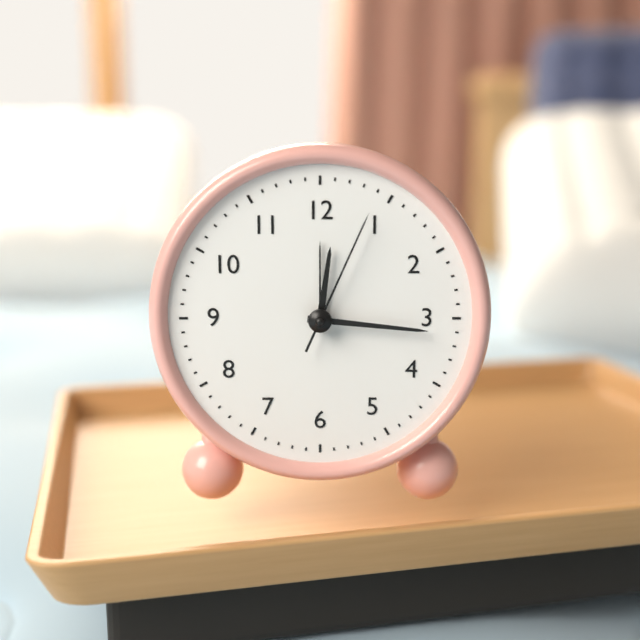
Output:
12 h 16 min 04 s
